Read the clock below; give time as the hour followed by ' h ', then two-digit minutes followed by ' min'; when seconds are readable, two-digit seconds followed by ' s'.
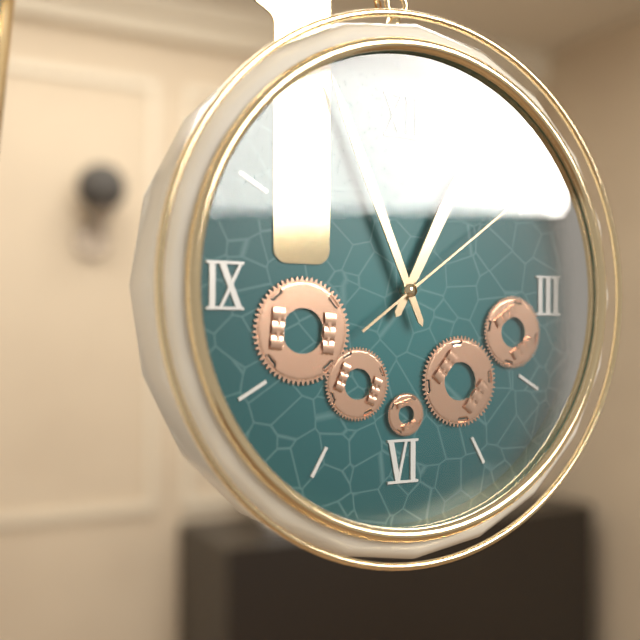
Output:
12 h 56 min 09 s
